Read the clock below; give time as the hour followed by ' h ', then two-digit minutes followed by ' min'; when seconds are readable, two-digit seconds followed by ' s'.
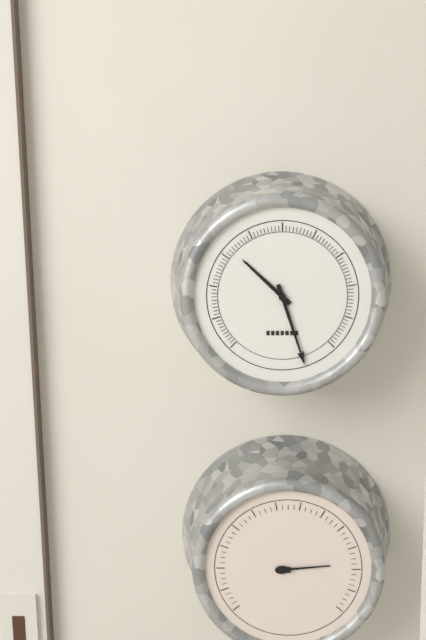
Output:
10 h 27 min
